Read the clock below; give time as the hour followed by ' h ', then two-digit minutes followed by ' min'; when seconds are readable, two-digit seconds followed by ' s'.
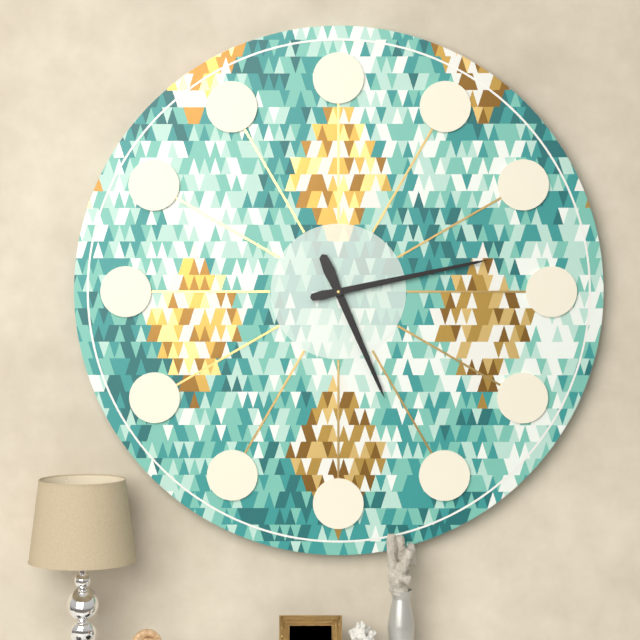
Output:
5 h 13 min
